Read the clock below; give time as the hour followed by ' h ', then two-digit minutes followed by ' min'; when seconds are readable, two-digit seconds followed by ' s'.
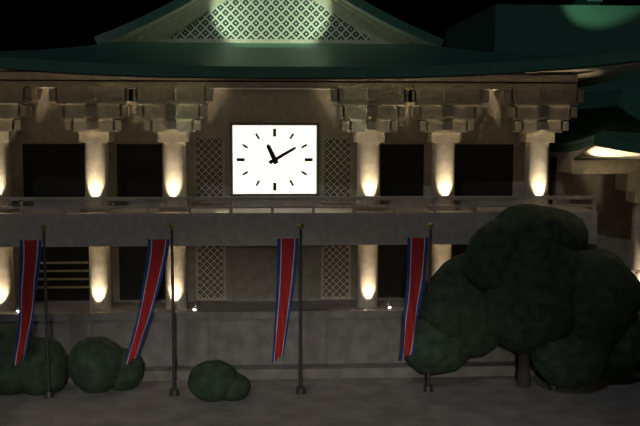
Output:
11 h 10 min
